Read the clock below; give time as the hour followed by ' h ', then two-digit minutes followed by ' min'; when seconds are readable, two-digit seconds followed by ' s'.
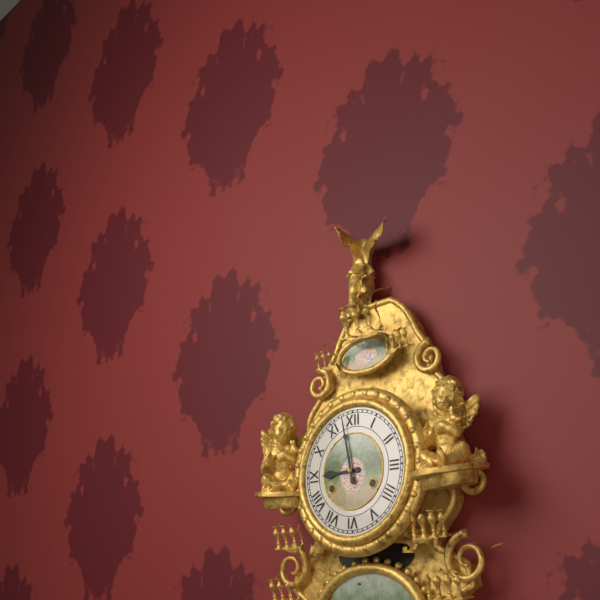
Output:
8 h 58 min
